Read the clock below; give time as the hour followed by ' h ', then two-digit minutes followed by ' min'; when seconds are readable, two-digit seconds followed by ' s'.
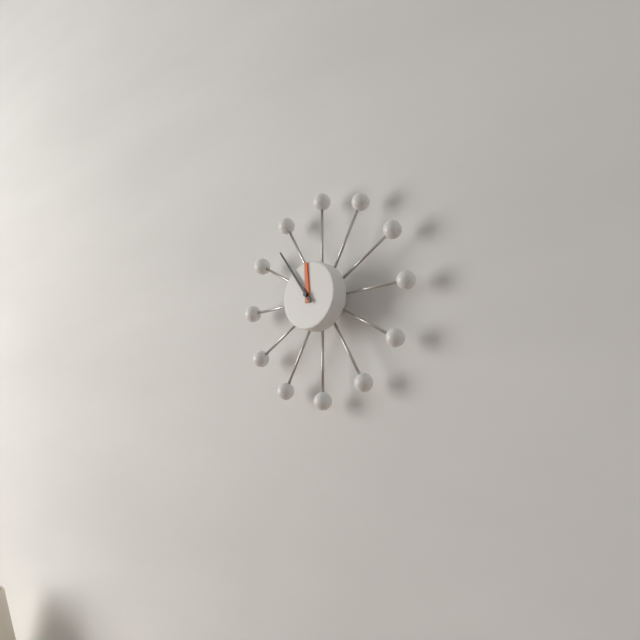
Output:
11 h 54 min
